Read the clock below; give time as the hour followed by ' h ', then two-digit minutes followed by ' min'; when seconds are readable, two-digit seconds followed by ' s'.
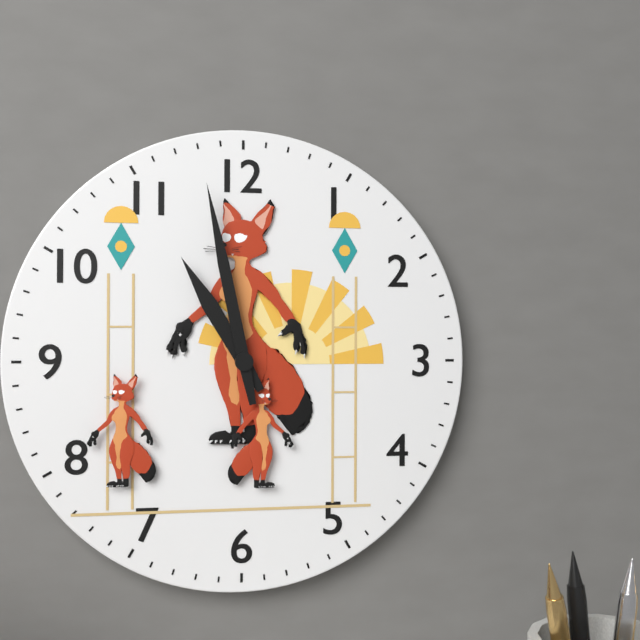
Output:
10 h 58 min
